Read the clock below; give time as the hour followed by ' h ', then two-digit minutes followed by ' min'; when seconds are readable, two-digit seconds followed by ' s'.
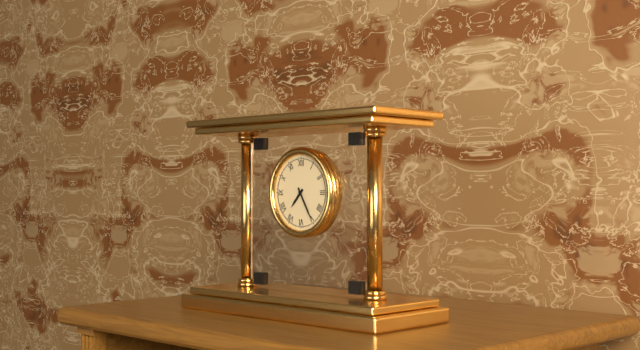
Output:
7 h 25 min
